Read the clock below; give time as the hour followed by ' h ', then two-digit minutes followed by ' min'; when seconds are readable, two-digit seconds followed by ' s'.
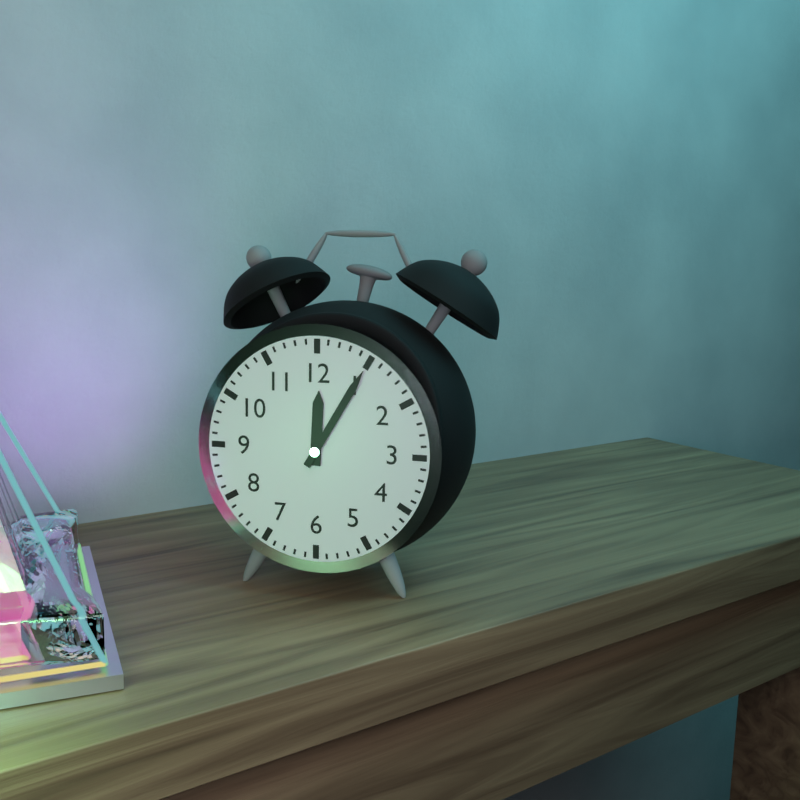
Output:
12 h 05 min
